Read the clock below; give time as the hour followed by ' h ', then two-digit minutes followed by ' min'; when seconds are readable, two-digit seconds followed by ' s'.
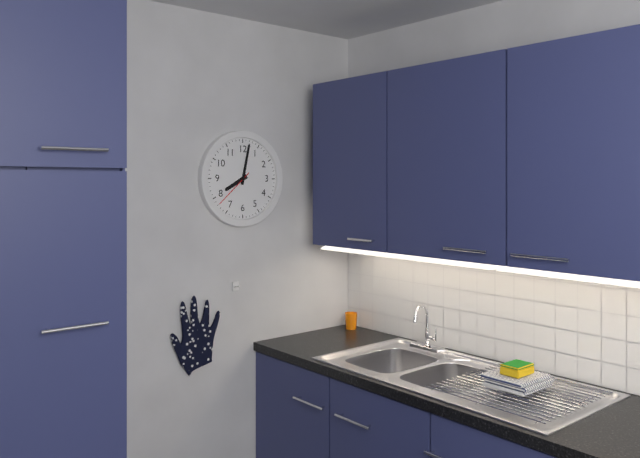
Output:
8 h 02 min
